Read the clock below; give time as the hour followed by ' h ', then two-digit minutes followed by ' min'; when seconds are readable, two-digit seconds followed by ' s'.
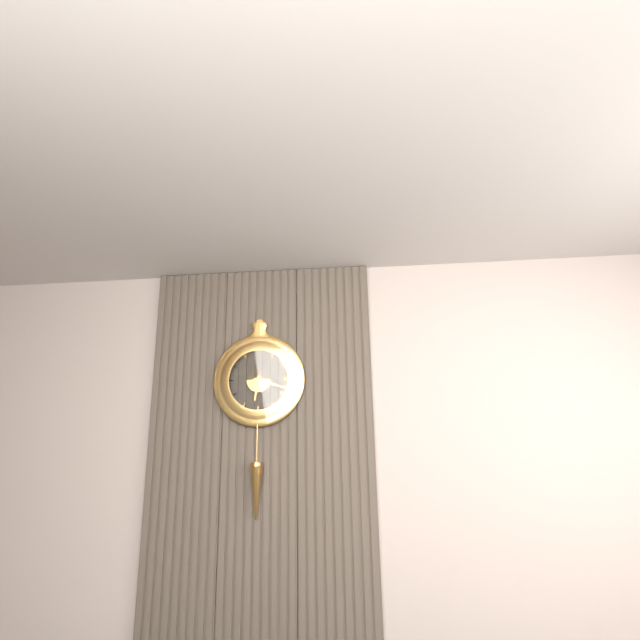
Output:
6 h 18 min
